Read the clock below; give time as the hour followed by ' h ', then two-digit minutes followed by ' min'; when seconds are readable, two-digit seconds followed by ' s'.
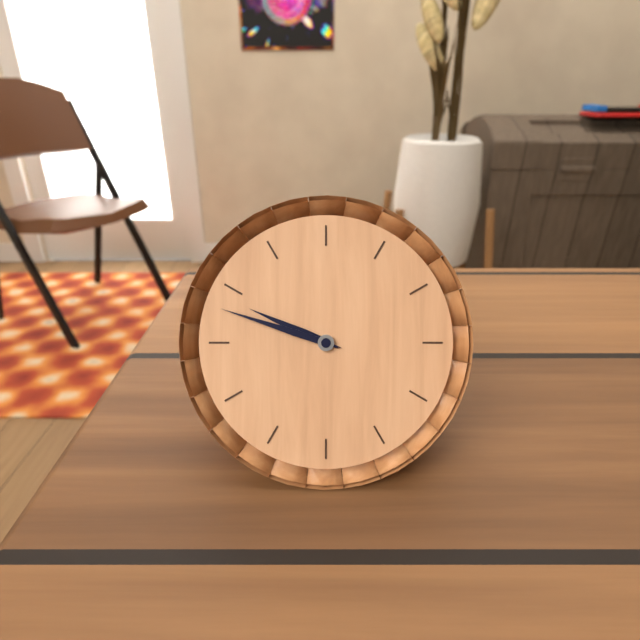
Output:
9 h 48 min
